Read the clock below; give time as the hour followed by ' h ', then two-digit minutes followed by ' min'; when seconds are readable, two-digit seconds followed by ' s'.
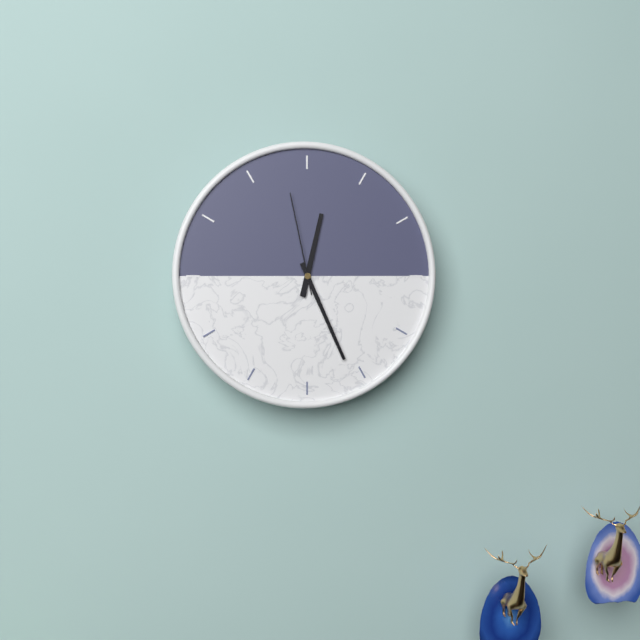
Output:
12 h 26 min 58 s
